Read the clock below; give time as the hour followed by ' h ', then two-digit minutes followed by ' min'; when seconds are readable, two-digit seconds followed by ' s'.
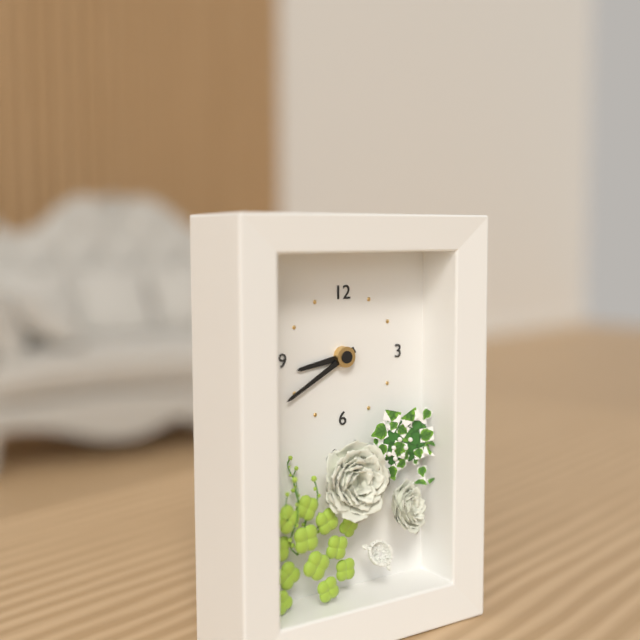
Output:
8 h 40 min
